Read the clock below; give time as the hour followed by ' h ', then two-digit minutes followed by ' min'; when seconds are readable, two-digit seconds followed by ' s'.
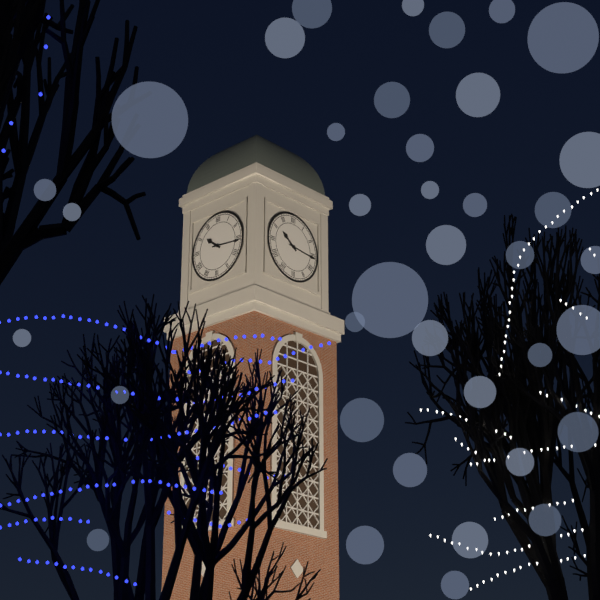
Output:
10 h 16 min
